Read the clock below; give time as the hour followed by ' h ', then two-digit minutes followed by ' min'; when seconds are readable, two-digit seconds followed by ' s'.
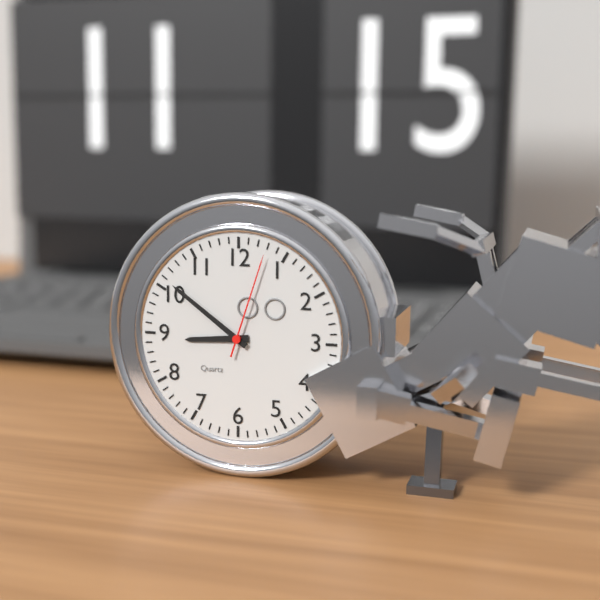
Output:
8 h 51 min 03 s
